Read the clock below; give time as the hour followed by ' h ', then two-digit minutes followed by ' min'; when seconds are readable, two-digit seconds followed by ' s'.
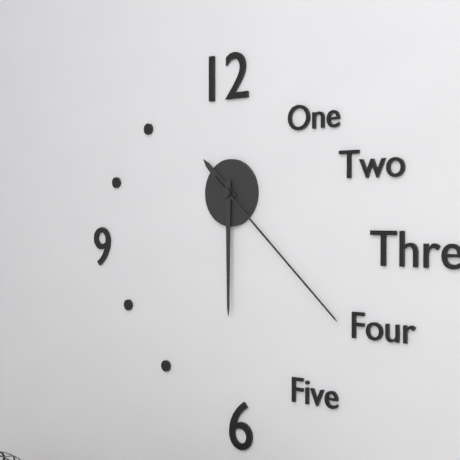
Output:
10 h 30 min 22 s
